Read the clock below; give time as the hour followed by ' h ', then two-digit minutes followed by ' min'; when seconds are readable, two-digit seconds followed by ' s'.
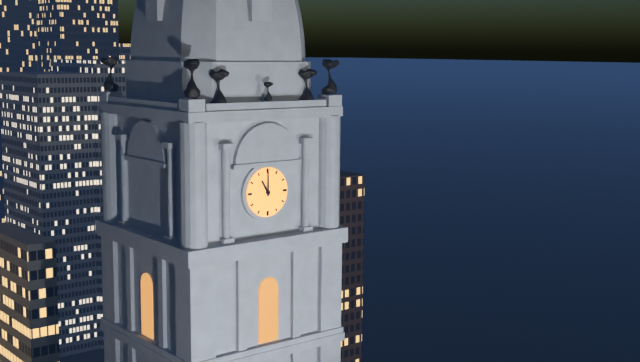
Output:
11 h 00 min
